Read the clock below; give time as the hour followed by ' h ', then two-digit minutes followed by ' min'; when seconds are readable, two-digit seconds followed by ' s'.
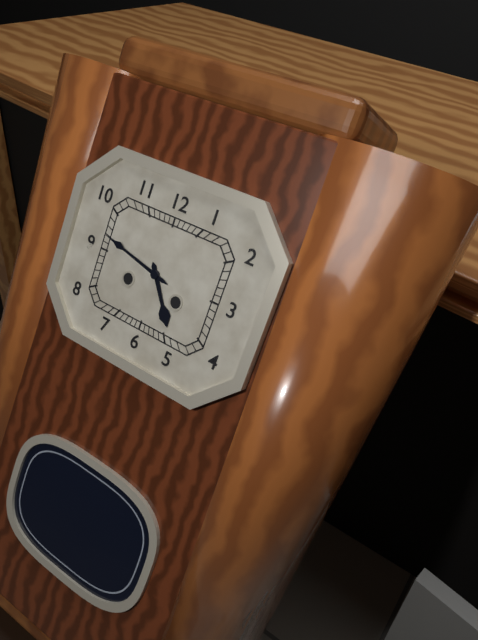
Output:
4 h 47 min
